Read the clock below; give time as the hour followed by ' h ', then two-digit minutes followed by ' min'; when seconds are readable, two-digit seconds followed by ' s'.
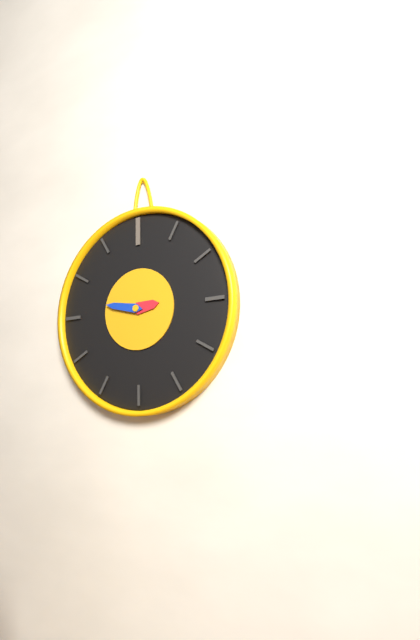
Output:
2 h 47 min
